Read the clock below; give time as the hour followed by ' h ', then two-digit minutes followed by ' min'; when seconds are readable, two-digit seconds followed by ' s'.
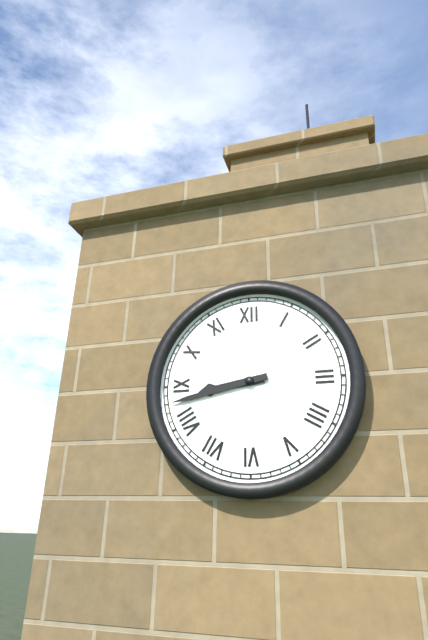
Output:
8 h 43 min
